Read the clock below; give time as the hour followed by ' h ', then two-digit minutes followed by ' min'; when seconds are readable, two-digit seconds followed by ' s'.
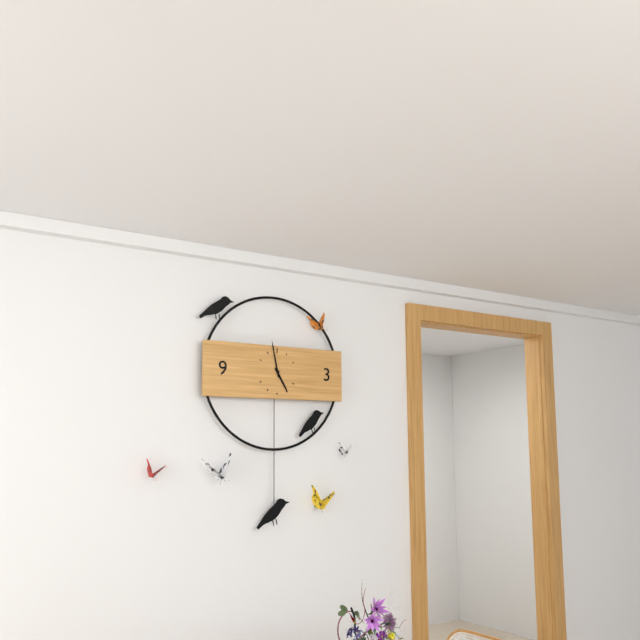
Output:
4 h 58 min
